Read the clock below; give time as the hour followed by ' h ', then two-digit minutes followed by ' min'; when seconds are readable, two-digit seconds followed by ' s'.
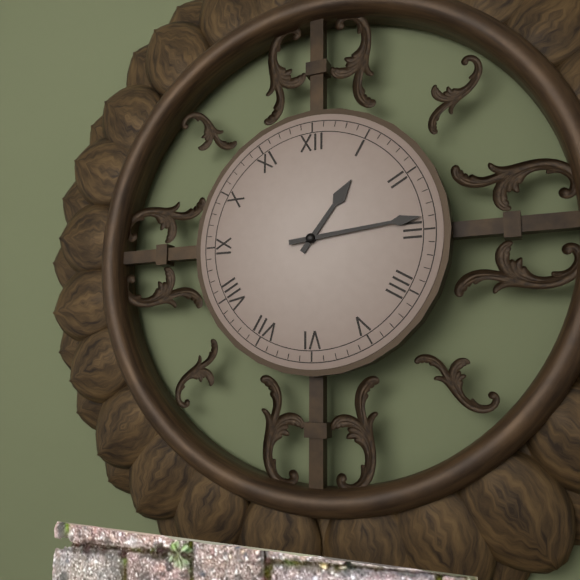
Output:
1 h 14 min
